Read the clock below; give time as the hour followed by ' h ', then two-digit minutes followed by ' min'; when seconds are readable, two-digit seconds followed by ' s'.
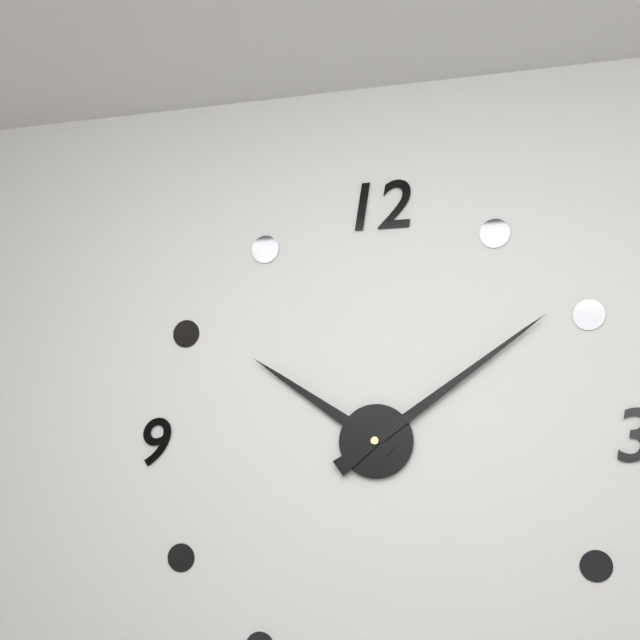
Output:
10 h 09 min
